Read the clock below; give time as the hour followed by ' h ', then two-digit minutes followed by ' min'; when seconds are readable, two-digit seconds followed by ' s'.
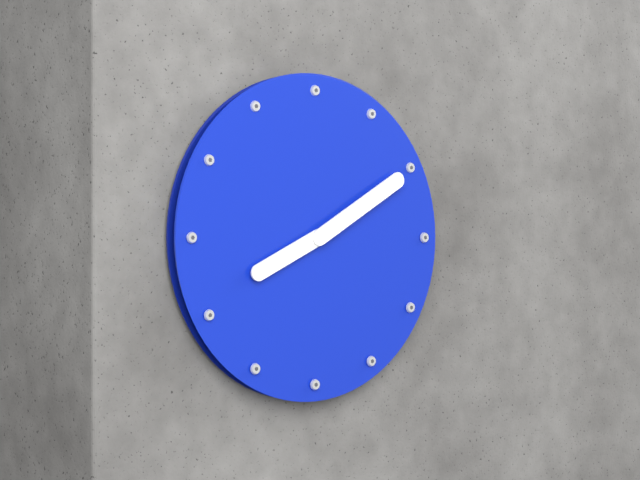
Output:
8 h 10 min
